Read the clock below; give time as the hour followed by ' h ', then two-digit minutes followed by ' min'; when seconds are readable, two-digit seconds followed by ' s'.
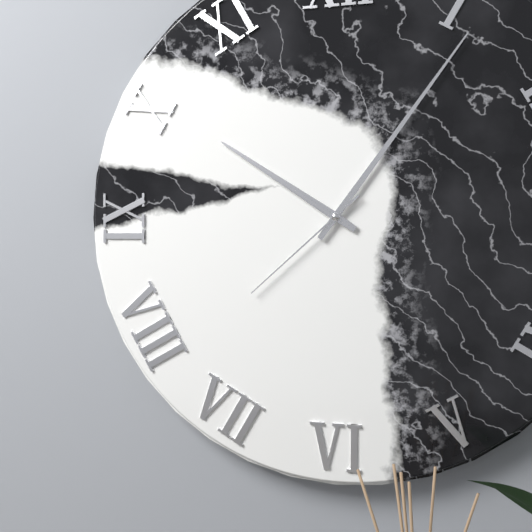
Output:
10 h 06 min 38 s
